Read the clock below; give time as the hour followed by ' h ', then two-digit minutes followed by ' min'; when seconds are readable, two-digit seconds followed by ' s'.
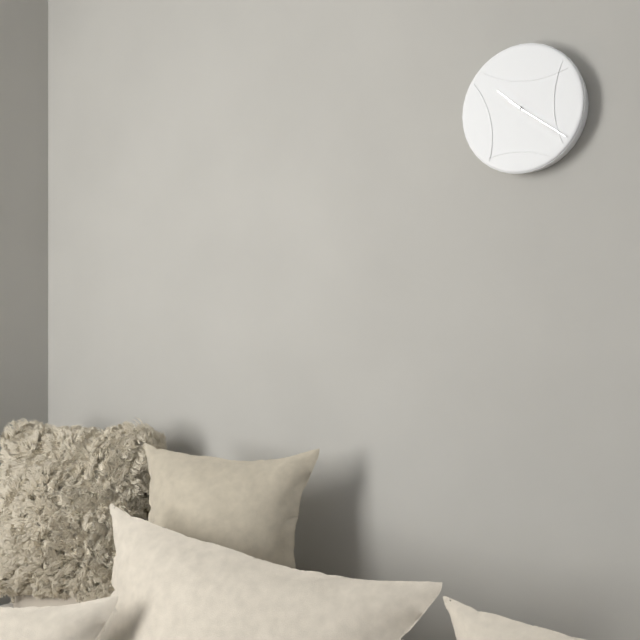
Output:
10 h 21 min
